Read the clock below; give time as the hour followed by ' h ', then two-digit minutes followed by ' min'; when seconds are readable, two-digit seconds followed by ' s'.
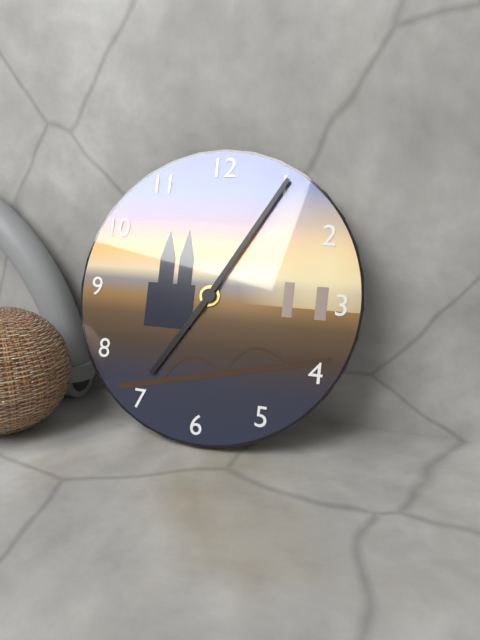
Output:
7 h 05 min
